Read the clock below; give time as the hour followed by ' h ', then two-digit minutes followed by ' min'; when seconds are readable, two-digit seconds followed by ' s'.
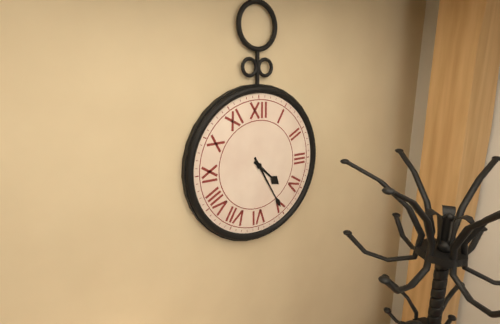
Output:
4 h 25 min
